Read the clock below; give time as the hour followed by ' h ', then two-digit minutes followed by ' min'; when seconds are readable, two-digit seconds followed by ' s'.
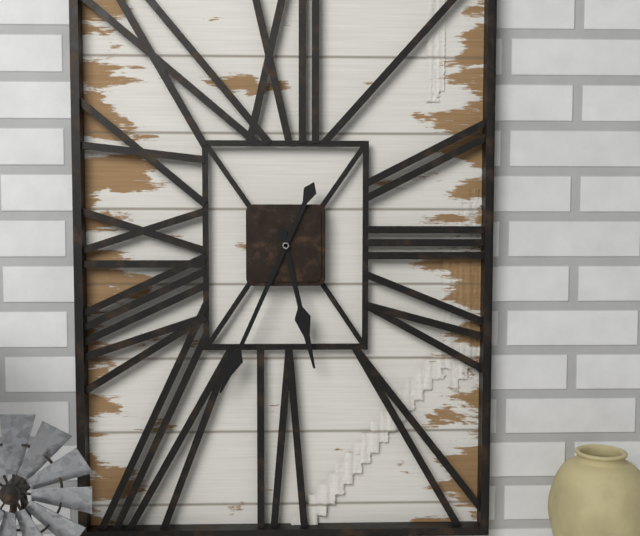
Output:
5 h 34 min
